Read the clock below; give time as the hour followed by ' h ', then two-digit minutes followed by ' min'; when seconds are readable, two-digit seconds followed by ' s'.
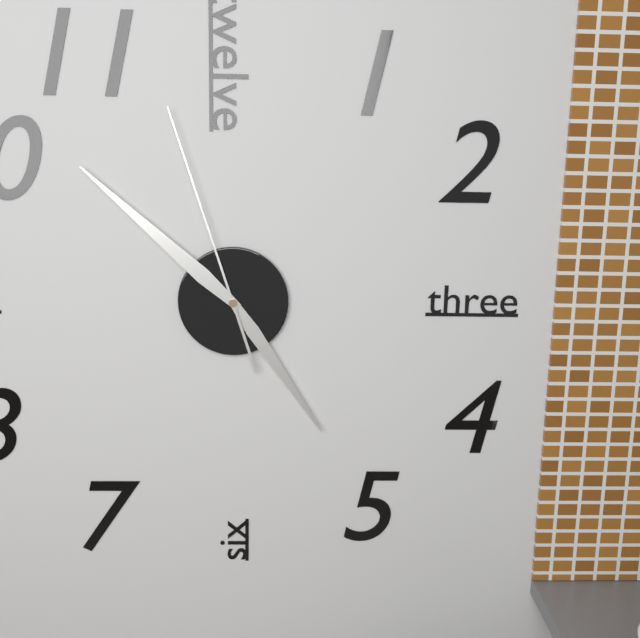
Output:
4 h 52 min 57 s
